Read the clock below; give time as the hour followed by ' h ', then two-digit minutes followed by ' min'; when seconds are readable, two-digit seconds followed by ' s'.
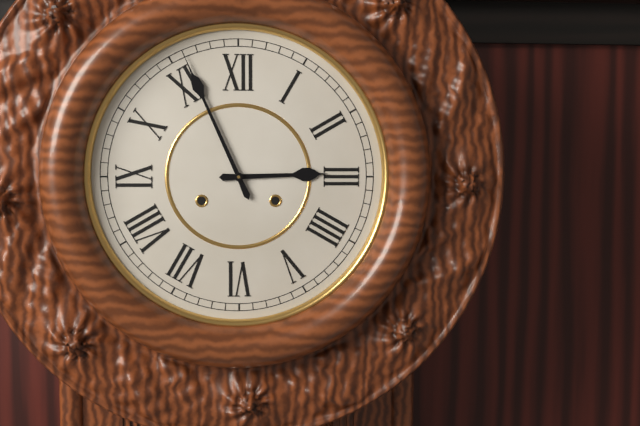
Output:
2 h 56 min
